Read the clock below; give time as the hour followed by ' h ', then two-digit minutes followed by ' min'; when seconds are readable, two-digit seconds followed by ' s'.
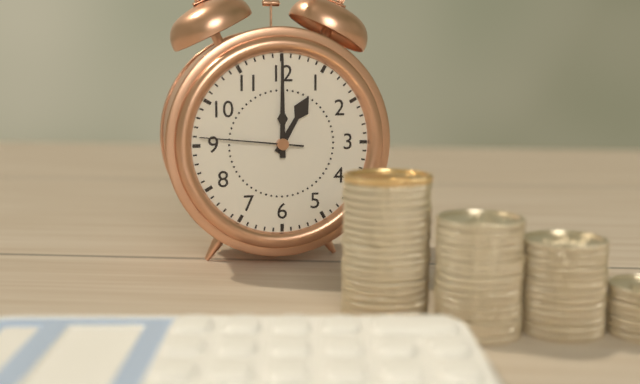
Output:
1 h 00 min 46 s
